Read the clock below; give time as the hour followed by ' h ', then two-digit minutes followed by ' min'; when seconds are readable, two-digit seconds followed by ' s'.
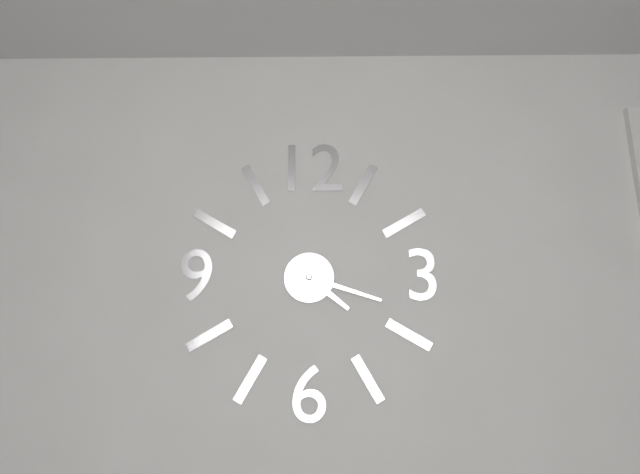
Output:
4 h 18 min 18 s
